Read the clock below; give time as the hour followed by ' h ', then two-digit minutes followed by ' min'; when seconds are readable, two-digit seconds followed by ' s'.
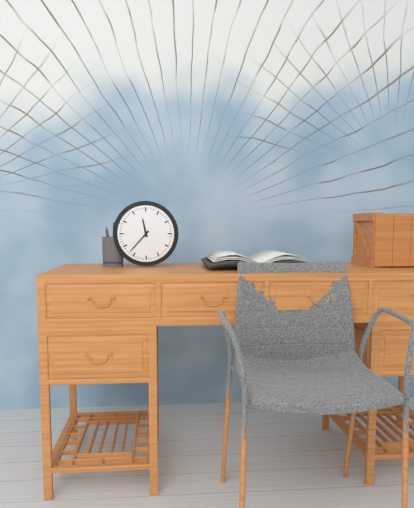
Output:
11 h 37 min
